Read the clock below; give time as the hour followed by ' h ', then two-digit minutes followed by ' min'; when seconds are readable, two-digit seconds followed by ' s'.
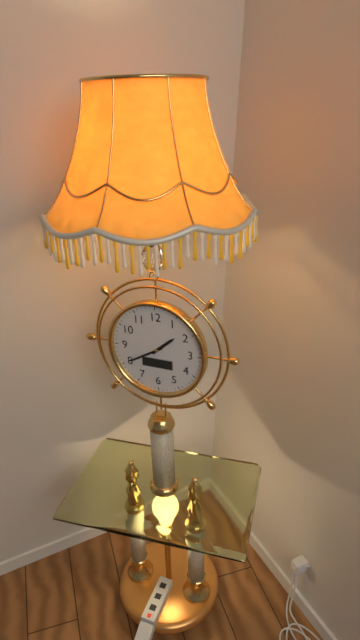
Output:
1 h 40 min
